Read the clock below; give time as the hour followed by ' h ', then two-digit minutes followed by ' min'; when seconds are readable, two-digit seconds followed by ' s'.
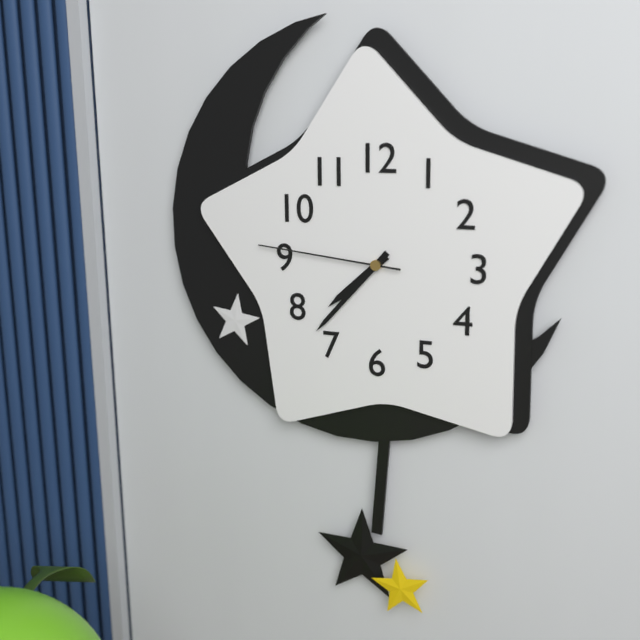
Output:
7 h 37 min 46 s
